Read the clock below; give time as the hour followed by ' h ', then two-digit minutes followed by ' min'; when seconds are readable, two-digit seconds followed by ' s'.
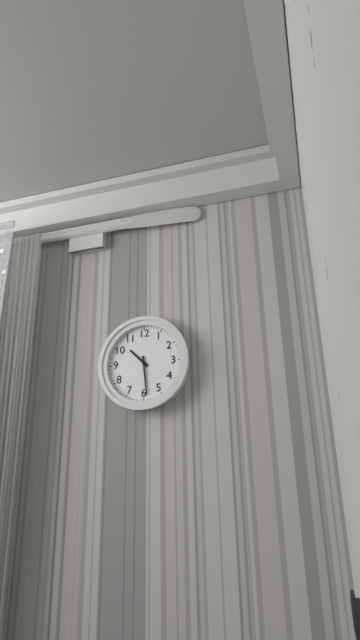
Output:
10 h 29 min
